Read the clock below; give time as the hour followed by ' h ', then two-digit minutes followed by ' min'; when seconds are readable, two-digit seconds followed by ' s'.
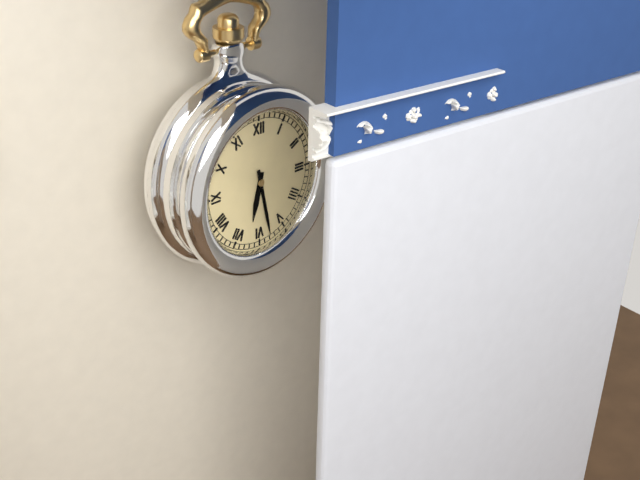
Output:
6 h 28 min
